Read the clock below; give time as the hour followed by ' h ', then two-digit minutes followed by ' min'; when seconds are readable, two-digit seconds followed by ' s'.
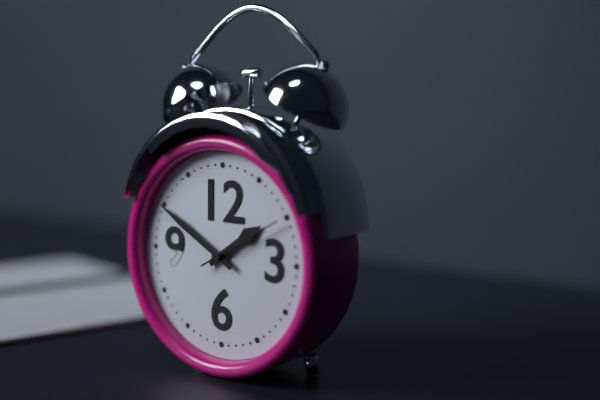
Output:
1 h 50 min 10 s
